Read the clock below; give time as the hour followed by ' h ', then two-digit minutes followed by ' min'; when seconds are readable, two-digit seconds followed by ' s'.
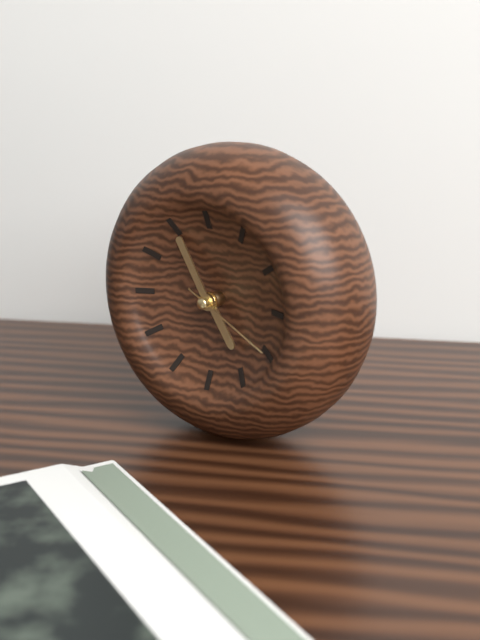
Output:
4 h 55 min 20 s
